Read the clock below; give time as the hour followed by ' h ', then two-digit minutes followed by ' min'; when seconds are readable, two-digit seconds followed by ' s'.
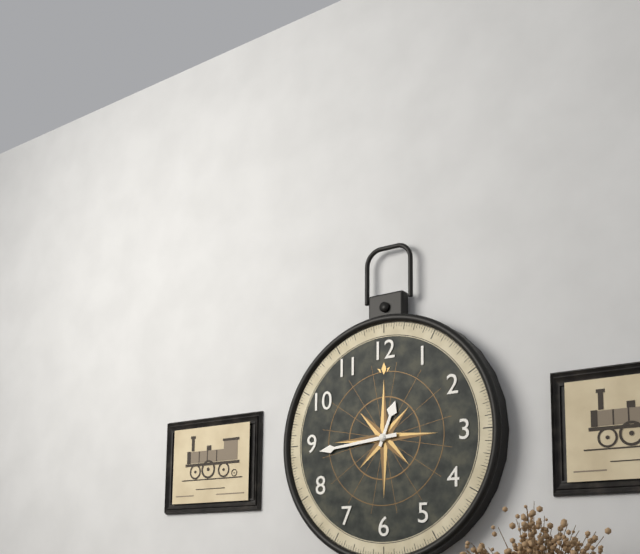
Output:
12 h 44 min
